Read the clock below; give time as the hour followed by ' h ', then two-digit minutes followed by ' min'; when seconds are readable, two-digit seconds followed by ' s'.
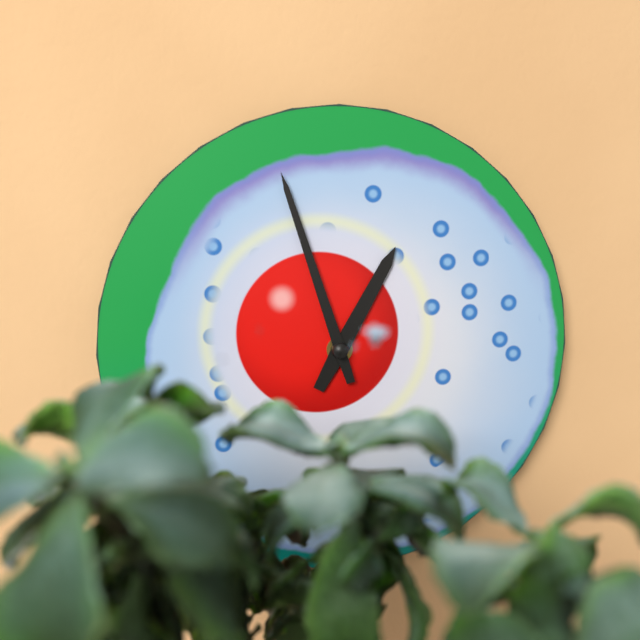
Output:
12 h 57 min
